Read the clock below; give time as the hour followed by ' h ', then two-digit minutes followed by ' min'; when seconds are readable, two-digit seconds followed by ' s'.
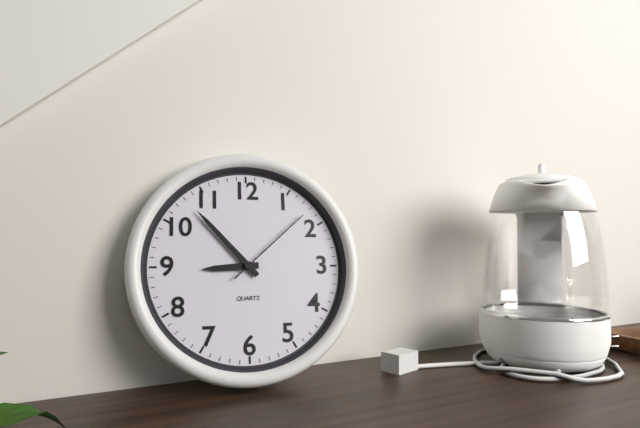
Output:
8 h 53 min 08 s
